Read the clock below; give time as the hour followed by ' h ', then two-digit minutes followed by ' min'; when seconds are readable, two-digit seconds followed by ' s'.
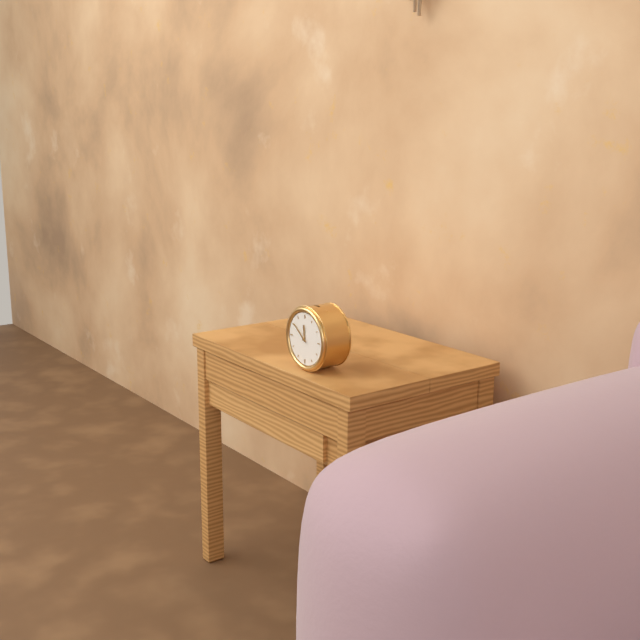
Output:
11 h 51 min
